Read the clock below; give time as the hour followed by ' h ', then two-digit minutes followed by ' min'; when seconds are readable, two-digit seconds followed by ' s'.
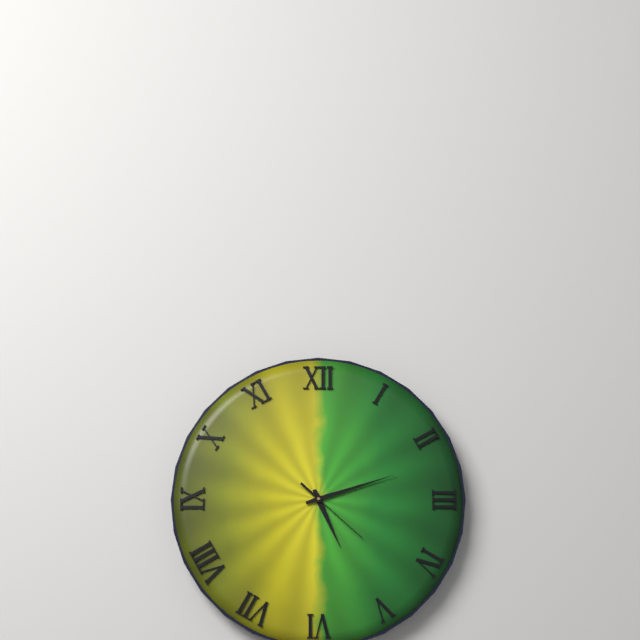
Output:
5 h 12 min 22 s
